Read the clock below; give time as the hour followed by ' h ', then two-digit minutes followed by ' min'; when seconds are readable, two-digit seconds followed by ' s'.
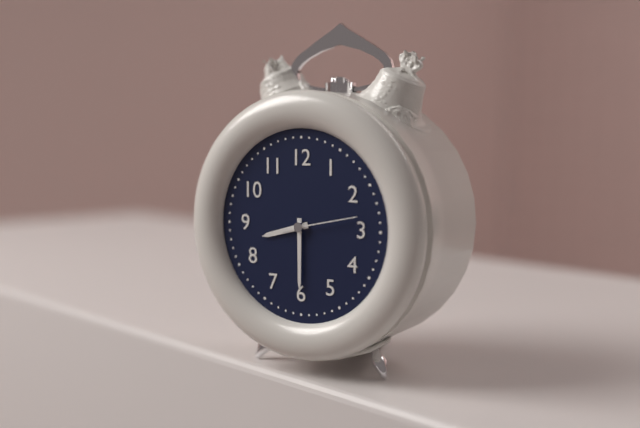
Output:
8 h 30 min 13 s
